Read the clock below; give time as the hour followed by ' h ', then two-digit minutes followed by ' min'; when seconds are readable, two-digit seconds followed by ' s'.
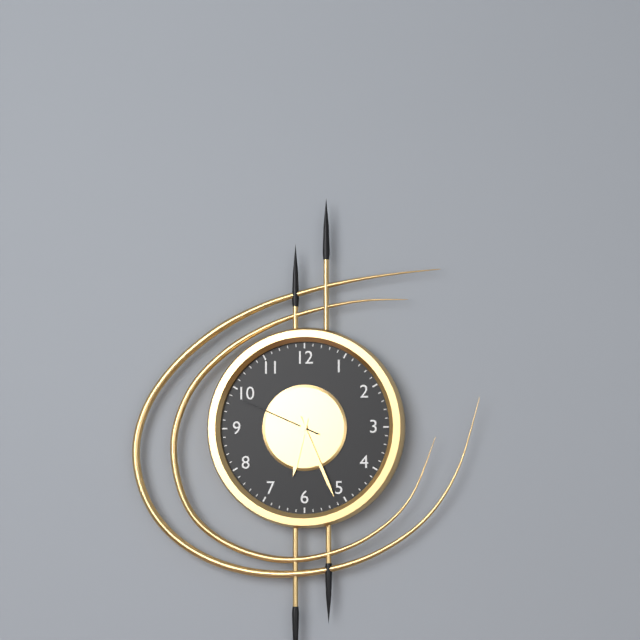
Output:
6 h 26 min 49 s
